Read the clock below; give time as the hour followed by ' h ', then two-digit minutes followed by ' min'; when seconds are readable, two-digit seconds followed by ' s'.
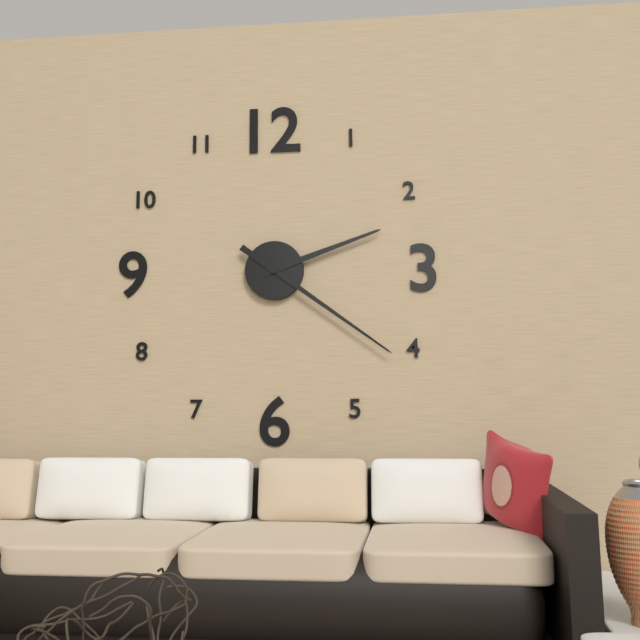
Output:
2 h 21 min
